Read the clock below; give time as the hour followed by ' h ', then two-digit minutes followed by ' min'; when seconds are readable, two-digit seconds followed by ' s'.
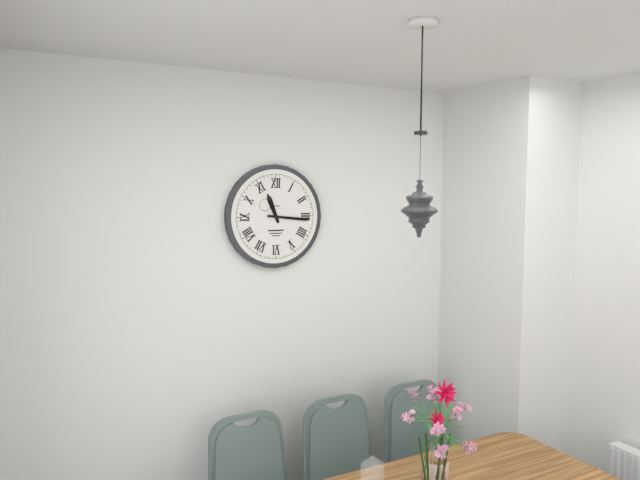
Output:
11 h 16 min
